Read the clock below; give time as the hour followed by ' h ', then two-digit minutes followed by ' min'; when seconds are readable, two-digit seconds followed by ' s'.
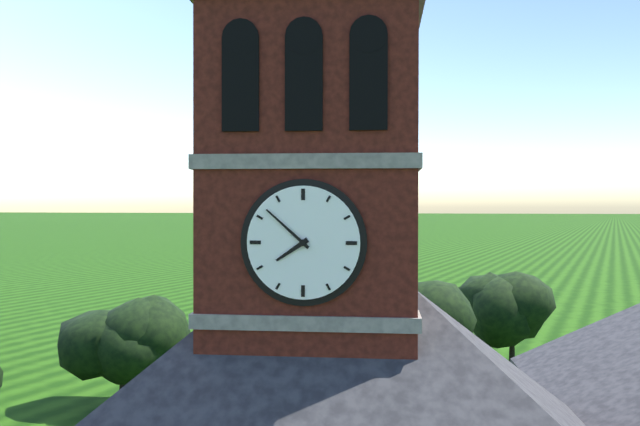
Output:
7 h 52 min
